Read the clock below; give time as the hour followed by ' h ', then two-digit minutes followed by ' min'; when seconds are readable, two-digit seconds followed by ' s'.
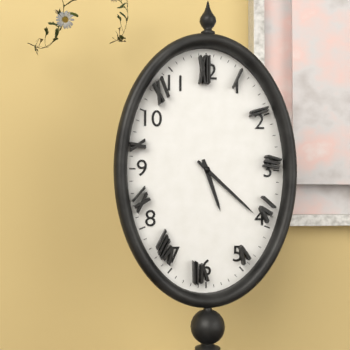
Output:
5 h 22 min
